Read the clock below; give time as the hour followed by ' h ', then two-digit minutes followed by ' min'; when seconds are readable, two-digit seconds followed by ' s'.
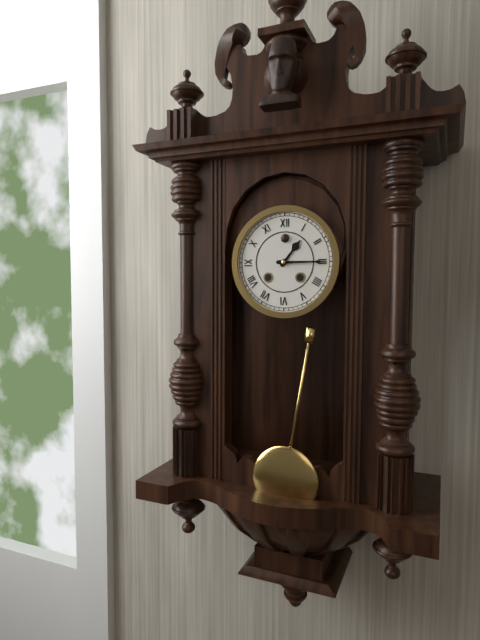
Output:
1 h 15 min
